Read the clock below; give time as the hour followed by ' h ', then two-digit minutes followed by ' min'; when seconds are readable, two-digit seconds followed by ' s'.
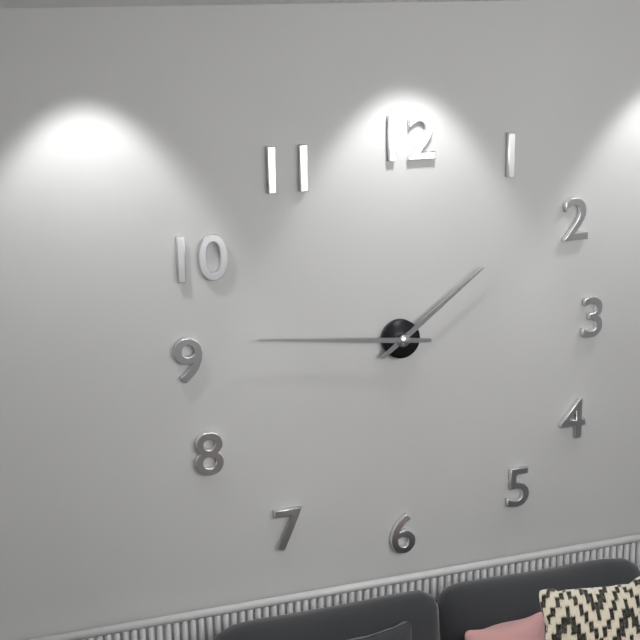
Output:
1 h 46 min
